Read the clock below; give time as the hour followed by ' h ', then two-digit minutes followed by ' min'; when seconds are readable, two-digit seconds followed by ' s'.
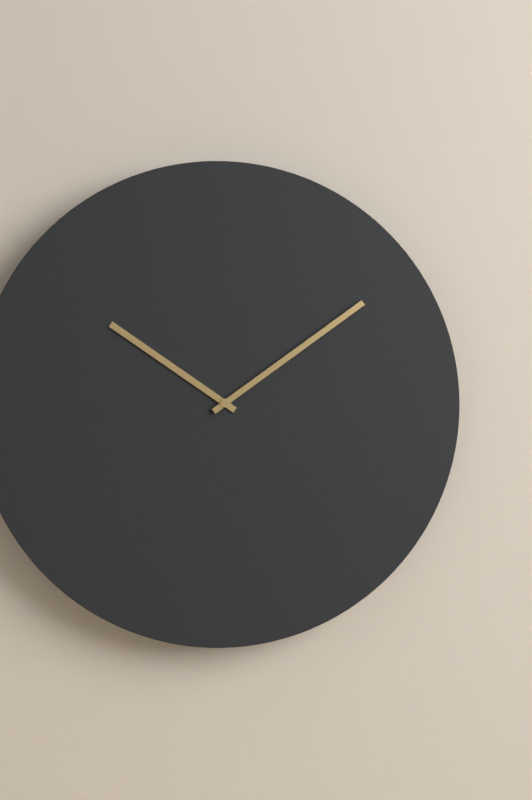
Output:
10 h 09 min
